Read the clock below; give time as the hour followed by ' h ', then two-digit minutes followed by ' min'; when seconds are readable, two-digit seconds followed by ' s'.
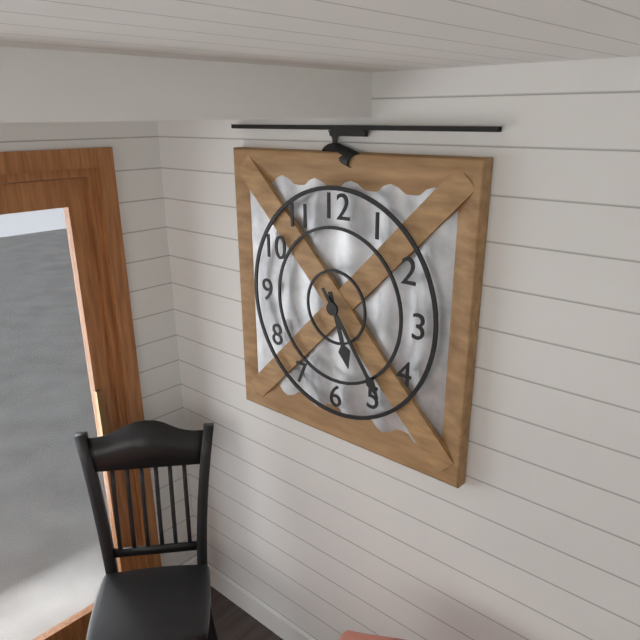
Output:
5 h 24 min
